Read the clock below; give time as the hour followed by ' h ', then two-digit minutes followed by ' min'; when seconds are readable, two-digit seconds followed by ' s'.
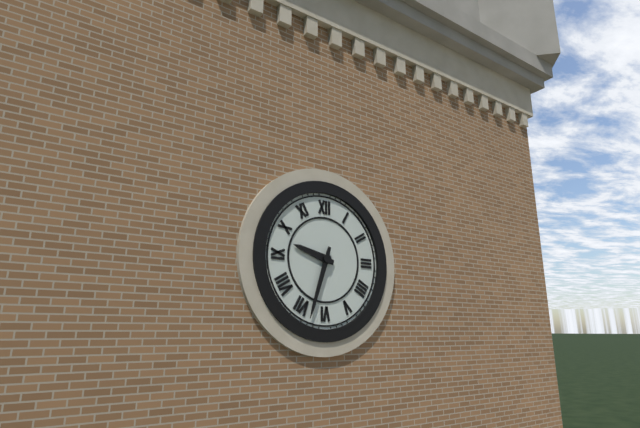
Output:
9 h 33 min
